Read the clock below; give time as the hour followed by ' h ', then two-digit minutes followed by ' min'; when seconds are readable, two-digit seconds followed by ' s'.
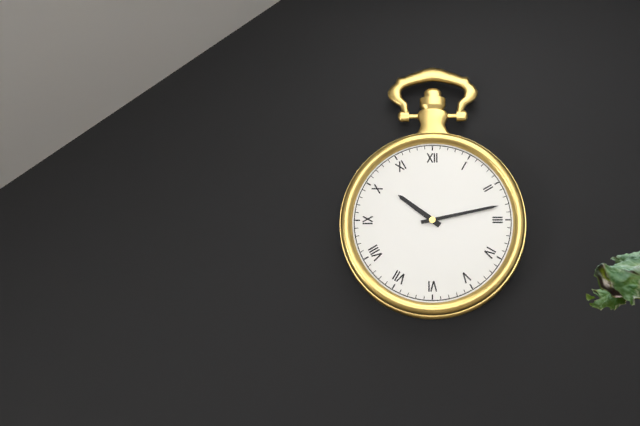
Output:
10 h 13 min
